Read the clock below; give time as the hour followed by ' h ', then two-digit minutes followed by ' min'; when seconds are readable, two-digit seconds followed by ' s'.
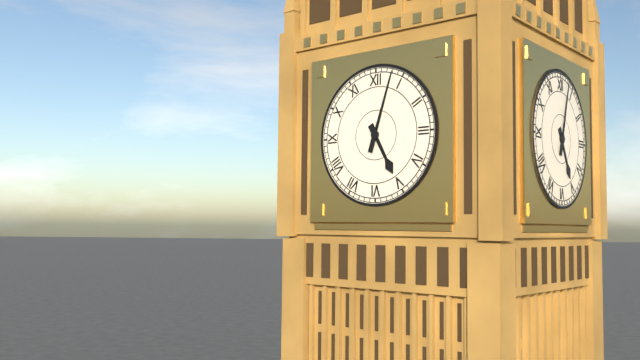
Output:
5 h 03 min
